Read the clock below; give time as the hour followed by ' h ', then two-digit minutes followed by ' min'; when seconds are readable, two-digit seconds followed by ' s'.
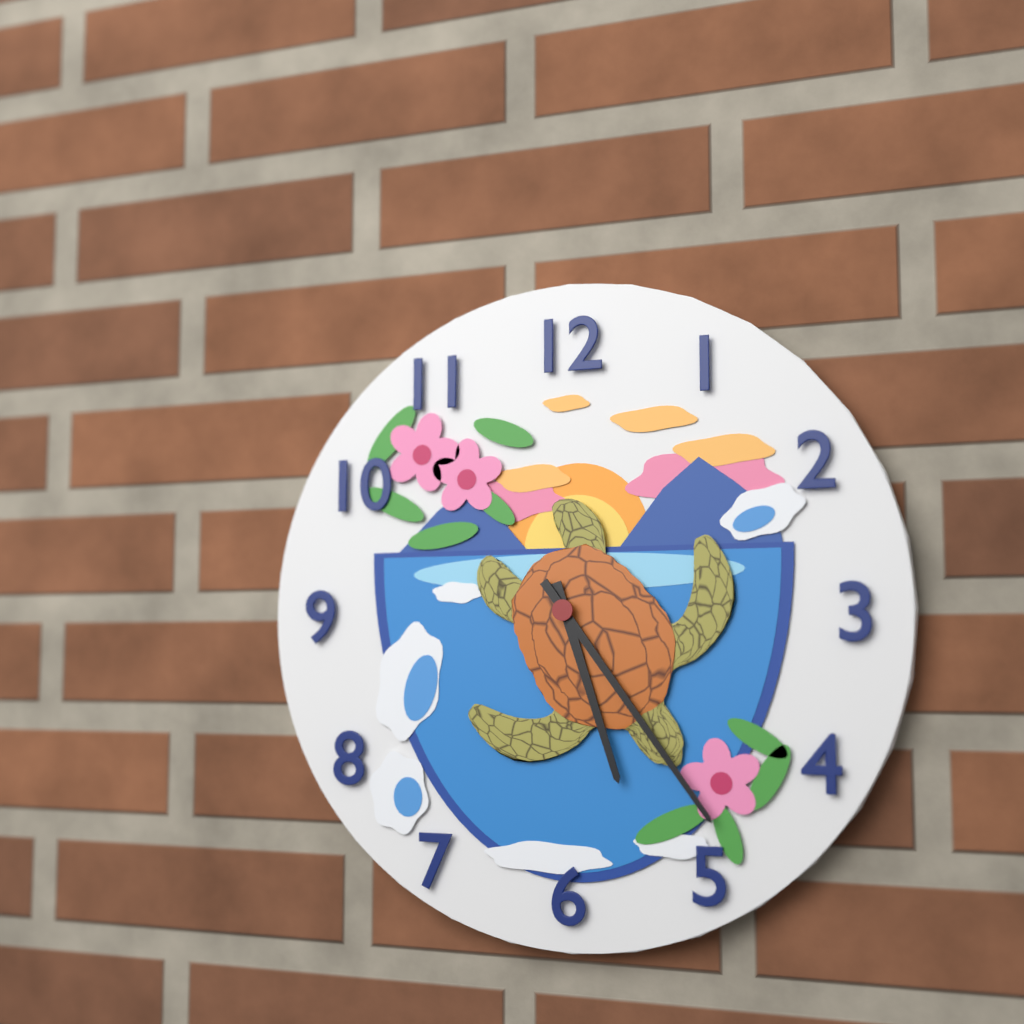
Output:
5 h 24 min
